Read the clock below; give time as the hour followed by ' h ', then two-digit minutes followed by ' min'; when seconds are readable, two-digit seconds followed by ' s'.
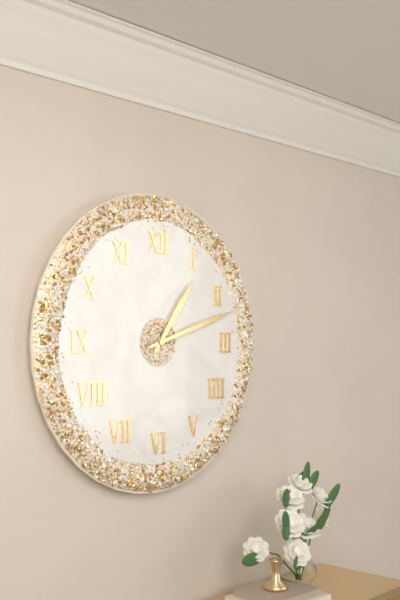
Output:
1 h 12 min
